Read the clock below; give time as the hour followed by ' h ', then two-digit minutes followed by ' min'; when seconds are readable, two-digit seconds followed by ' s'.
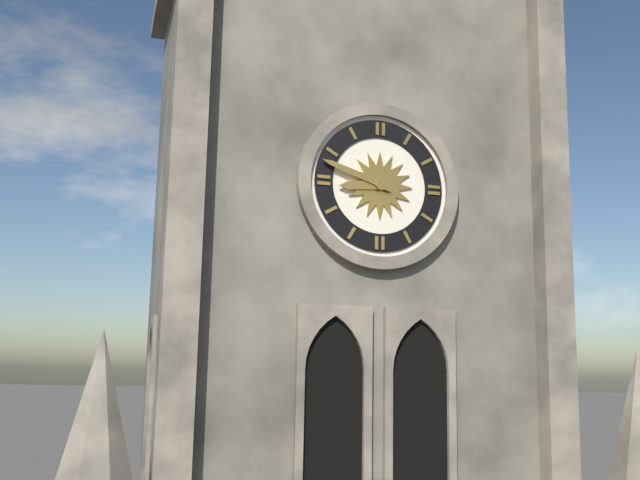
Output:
8 h 48 min
